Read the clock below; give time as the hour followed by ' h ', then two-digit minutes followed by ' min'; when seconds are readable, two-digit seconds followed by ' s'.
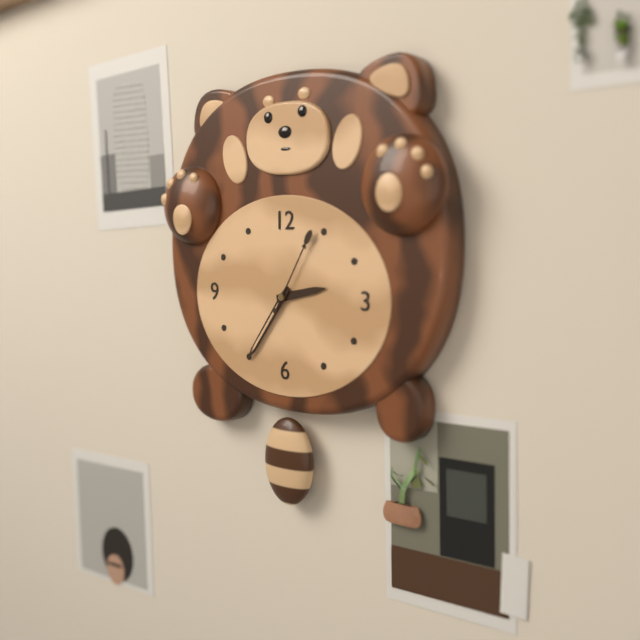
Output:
2 h 36 min 05 s
